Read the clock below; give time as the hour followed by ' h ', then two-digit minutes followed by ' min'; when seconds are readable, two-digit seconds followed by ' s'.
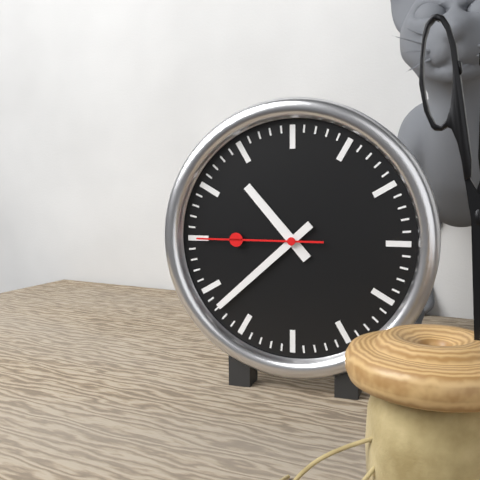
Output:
10 h 38 min 45 s
